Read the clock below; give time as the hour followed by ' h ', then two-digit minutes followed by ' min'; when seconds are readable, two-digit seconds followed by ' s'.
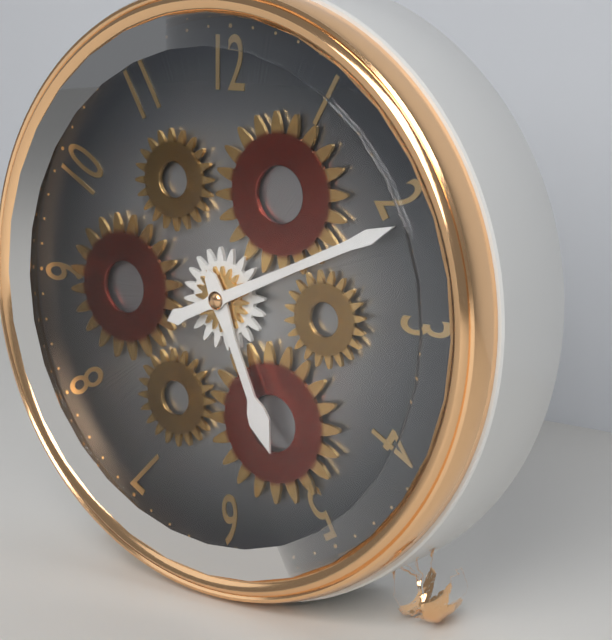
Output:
5 h 11 min
